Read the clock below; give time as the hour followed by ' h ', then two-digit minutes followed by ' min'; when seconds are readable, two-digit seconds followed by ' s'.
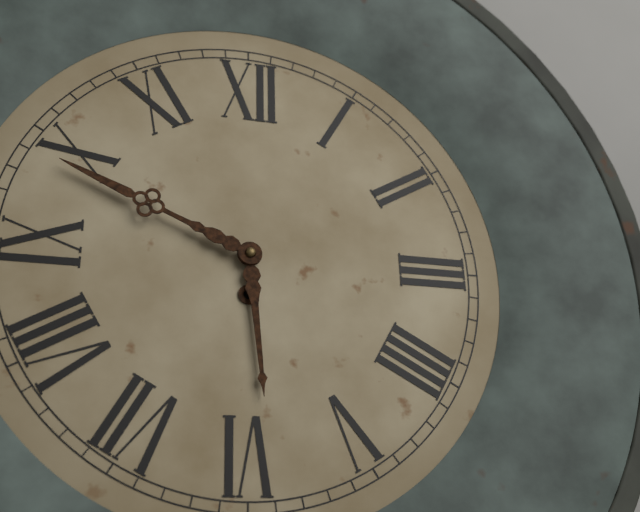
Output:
5 h 49 min
